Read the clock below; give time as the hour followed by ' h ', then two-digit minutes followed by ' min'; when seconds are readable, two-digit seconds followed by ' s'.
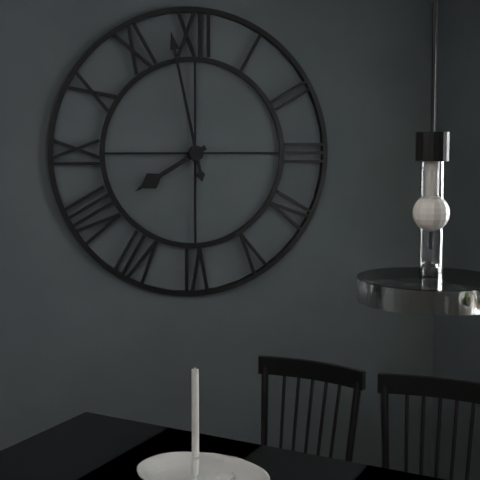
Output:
7 h 58 min
